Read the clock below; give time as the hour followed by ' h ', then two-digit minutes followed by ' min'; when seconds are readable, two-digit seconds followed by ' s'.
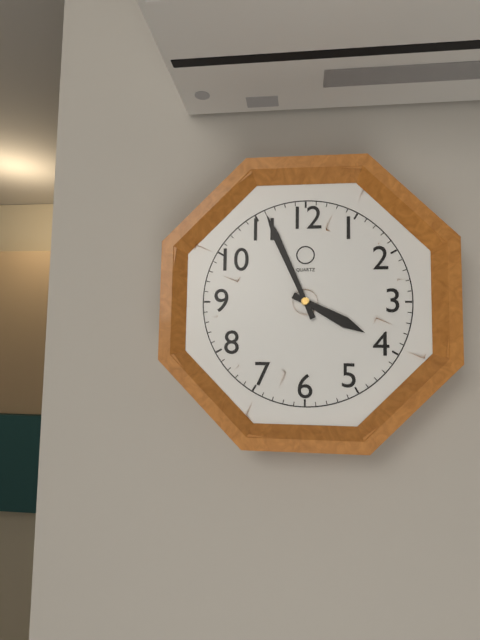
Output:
3 h 56 min
